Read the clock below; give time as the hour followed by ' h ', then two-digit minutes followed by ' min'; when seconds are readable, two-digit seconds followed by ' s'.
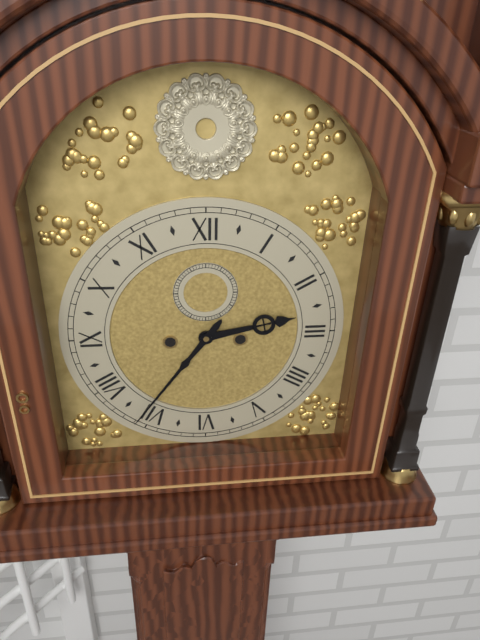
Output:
2 h 36 min
